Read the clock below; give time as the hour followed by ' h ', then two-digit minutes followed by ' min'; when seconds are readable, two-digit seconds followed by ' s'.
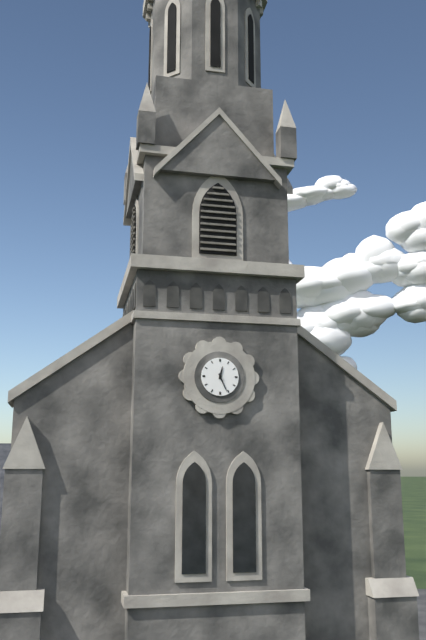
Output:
12 h 26 min
